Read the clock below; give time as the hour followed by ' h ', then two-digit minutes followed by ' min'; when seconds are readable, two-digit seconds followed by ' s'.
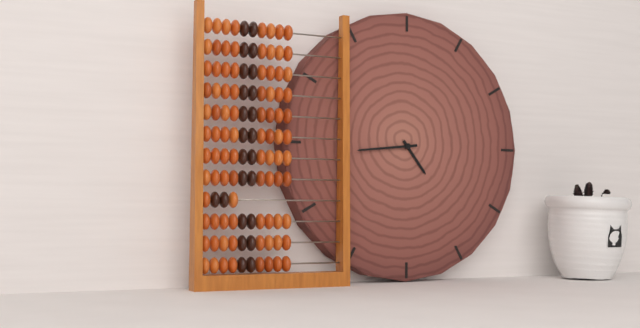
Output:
4 h 44 min
